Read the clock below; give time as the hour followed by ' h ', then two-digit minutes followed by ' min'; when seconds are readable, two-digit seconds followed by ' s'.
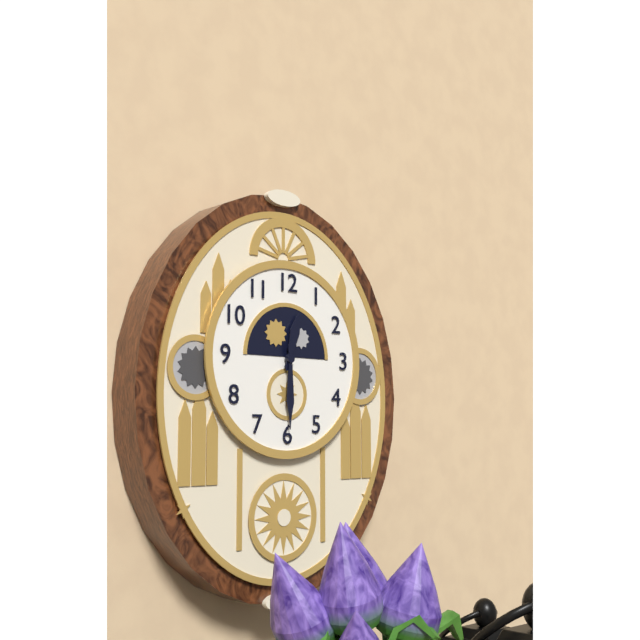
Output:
12 h 30 min
